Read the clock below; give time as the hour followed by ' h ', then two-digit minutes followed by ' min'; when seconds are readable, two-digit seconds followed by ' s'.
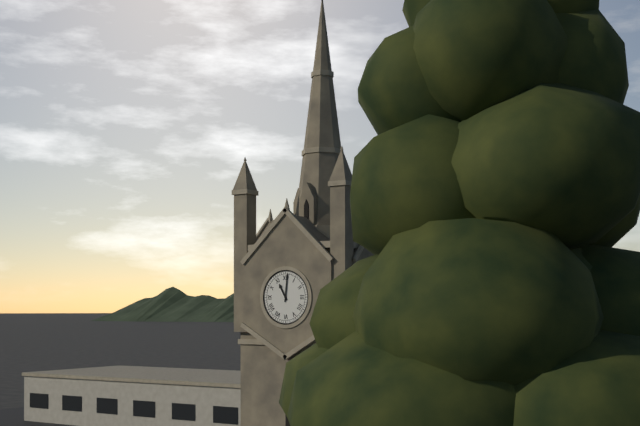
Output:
11 h 01 min
